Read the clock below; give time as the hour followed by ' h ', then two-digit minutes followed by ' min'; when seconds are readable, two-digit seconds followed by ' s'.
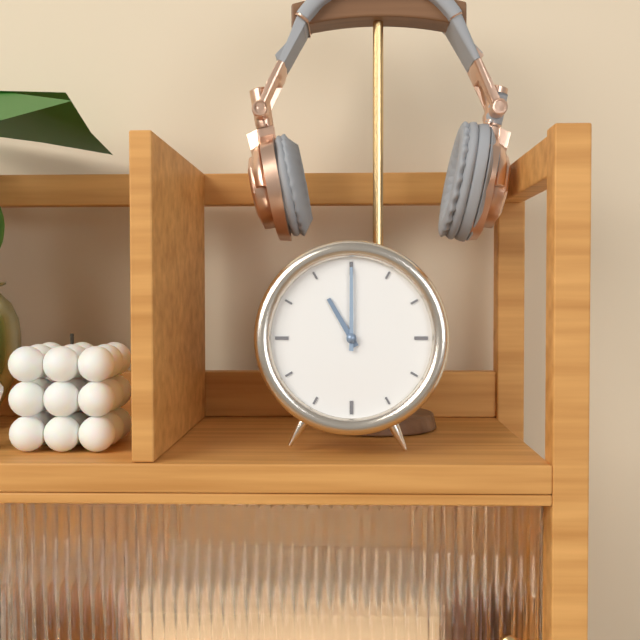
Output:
11 h 00 min
